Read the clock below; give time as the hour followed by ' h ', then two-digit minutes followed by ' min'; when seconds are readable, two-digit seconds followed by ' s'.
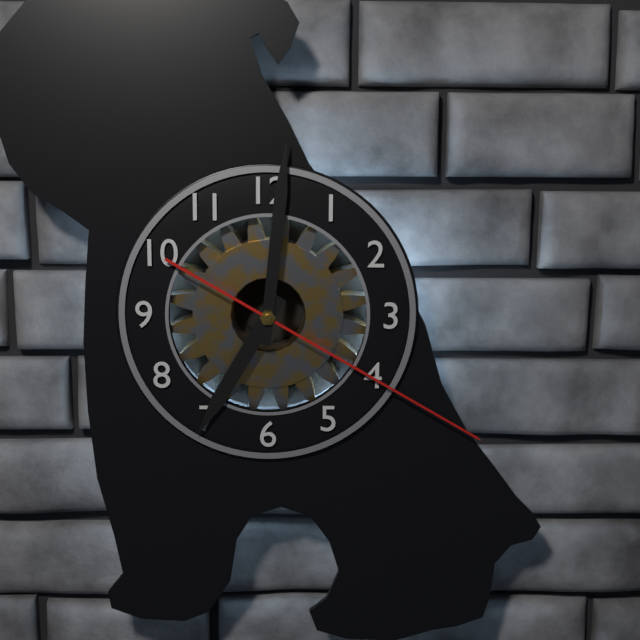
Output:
7 h 01 min 20 s
